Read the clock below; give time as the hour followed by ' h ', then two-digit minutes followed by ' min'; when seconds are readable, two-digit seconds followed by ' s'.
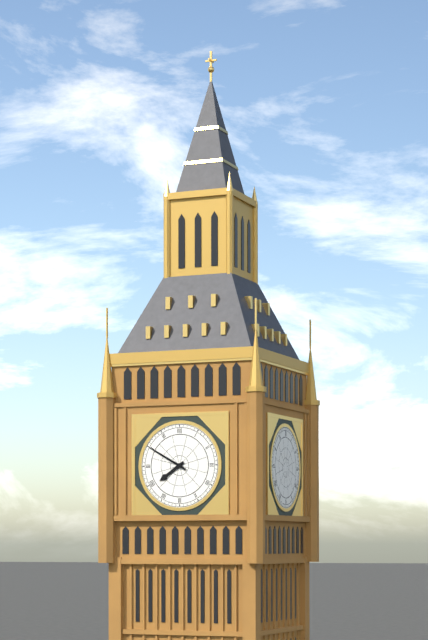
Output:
7 h 50 min
